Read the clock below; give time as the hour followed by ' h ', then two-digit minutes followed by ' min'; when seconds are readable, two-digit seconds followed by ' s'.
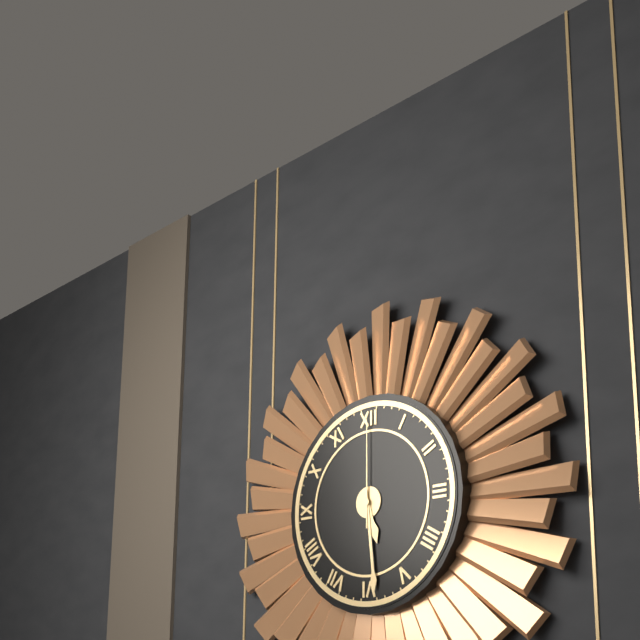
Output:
5 h 29 min 00 s
